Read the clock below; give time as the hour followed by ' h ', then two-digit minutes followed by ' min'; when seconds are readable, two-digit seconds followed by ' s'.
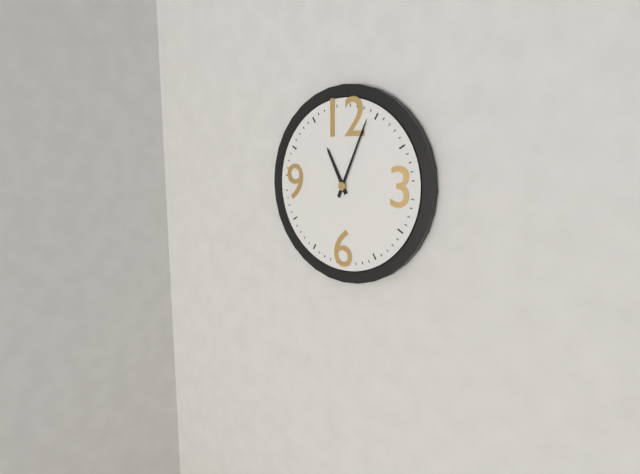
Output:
11 h 04 min
